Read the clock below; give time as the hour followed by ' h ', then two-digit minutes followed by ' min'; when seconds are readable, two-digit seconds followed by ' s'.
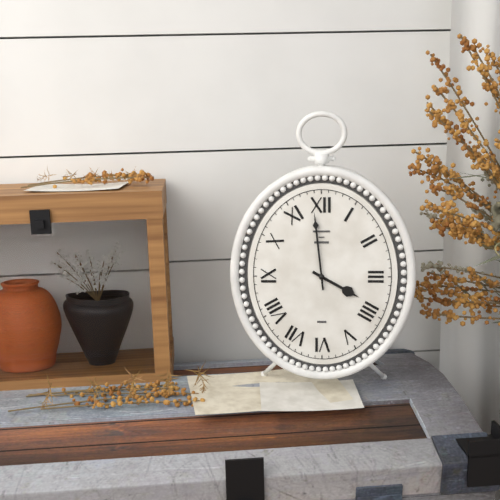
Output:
3 h 59 min
